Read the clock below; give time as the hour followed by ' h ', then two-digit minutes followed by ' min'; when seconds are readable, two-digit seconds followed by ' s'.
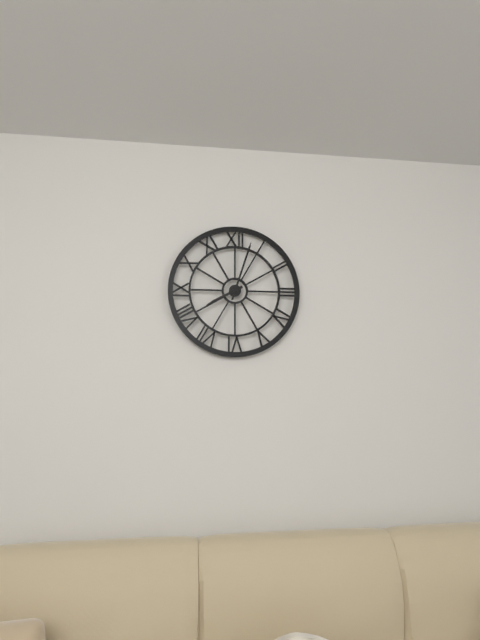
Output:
8 h 03 min
